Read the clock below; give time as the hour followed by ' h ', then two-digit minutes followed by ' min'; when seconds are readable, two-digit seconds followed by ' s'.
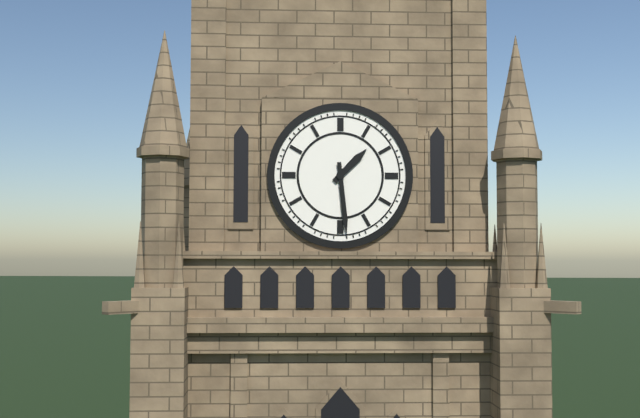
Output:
1 h 29 min
